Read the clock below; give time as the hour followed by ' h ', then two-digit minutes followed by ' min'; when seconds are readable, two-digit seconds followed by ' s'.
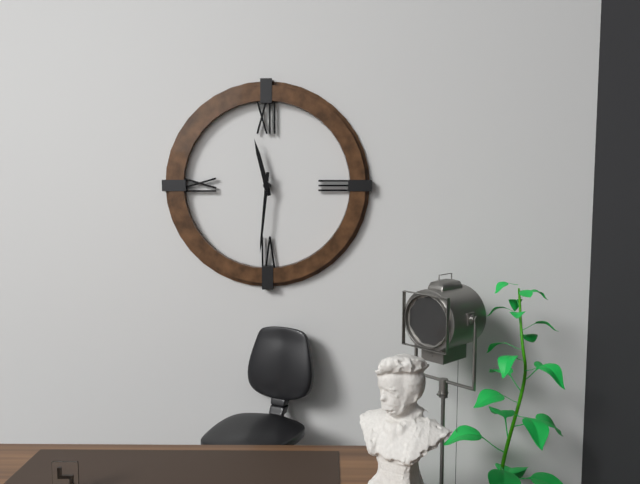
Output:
11 h 31 min
